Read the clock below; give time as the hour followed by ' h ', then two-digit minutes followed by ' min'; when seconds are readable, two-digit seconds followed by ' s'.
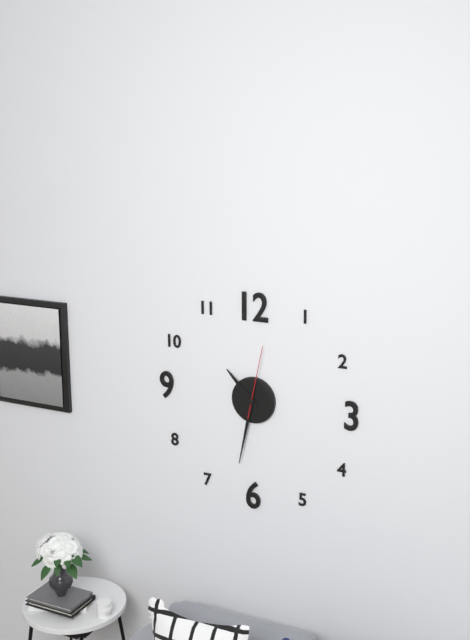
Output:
10 h 32 min 02 s
